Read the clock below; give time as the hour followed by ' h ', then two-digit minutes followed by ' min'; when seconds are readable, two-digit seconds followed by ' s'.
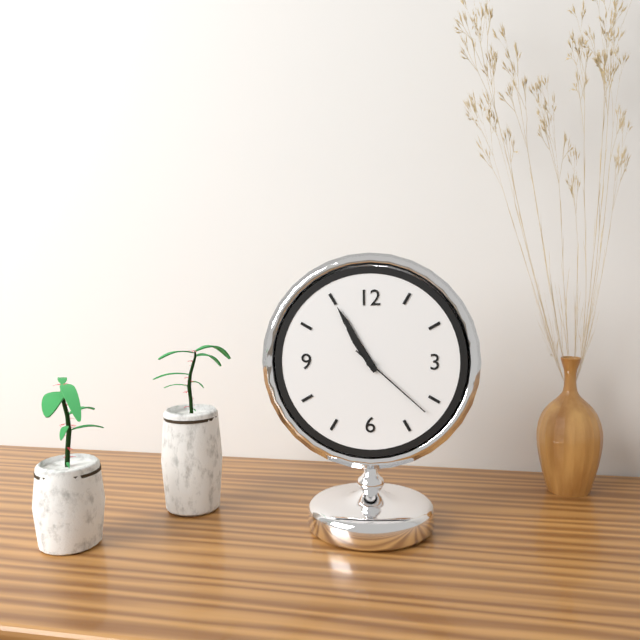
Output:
10 h 55 min 22 s
